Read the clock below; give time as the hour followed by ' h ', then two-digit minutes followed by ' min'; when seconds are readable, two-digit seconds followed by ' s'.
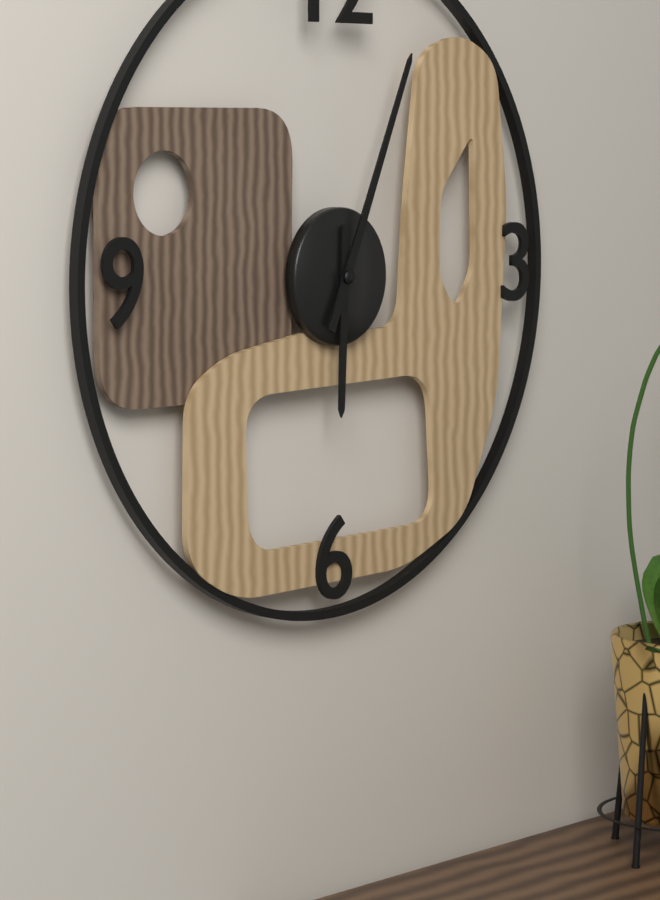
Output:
6 h 04 min
